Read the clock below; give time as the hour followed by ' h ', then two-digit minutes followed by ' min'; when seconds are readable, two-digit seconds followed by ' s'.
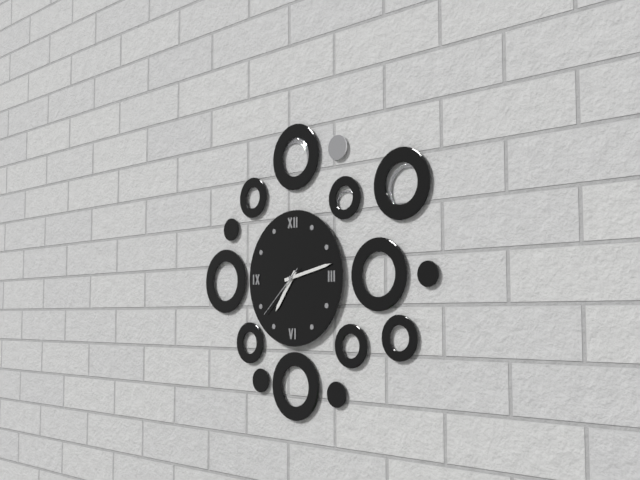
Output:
7 h 13 min 38 s
